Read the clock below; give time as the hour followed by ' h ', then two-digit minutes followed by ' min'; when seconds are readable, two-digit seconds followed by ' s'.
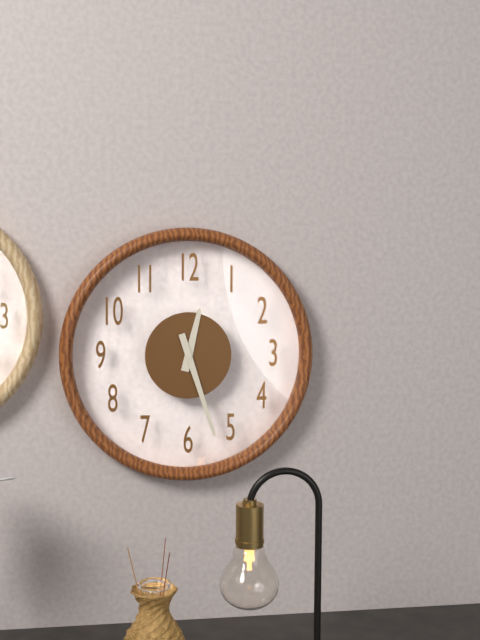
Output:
12 h 27 min
